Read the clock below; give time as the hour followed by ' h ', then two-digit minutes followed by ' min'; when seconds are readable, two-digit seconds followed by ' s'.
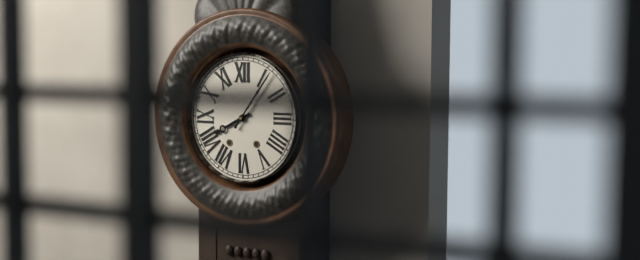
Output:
8 h 06 min
